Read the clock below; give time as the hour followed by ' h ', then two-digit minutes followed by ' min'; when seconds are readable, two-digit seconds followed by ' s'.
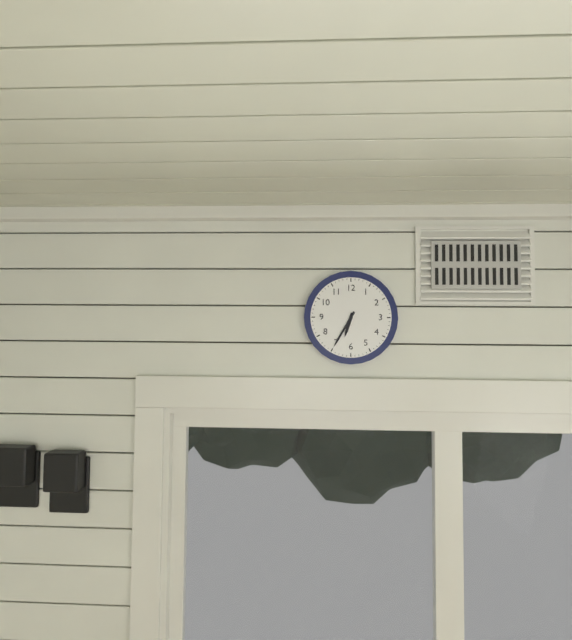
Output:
6 h 35 min
